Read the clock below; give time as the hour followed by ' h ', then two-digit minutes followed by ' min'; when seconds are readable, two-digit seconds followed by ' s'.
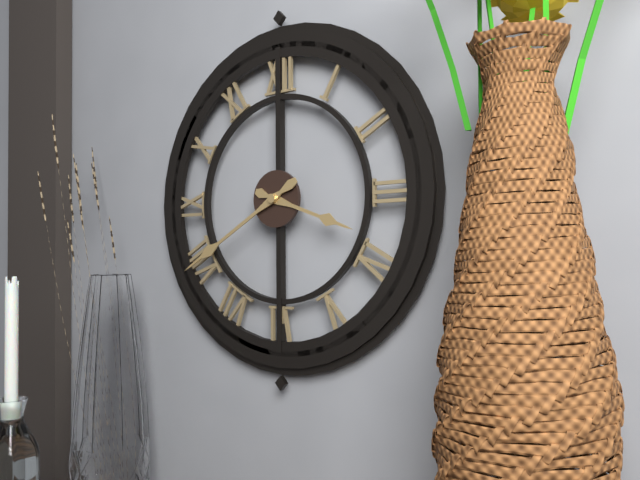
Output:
3 h 40 min
